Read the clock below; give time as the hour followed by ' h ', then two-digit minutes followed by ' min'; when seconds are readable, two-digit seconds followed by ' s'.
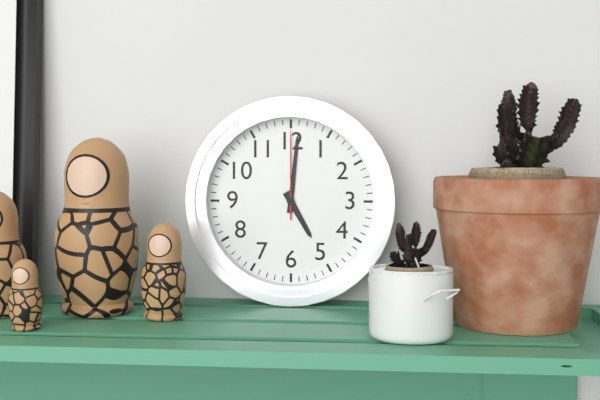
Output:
5 h 01 min 00 s
